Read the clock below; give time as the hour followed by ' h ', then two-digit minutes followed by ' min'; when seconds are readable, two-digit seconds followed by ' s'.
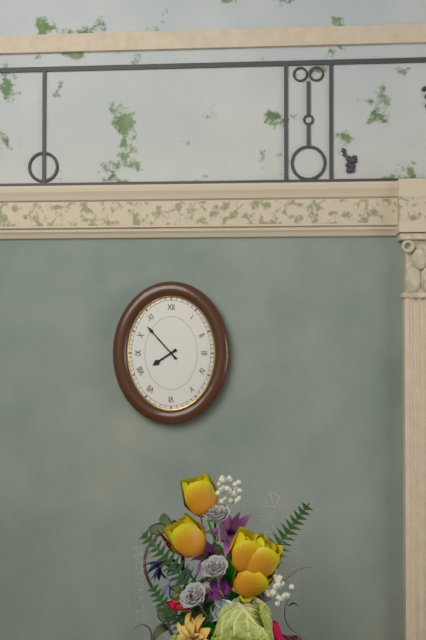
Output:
7 h 53 min
